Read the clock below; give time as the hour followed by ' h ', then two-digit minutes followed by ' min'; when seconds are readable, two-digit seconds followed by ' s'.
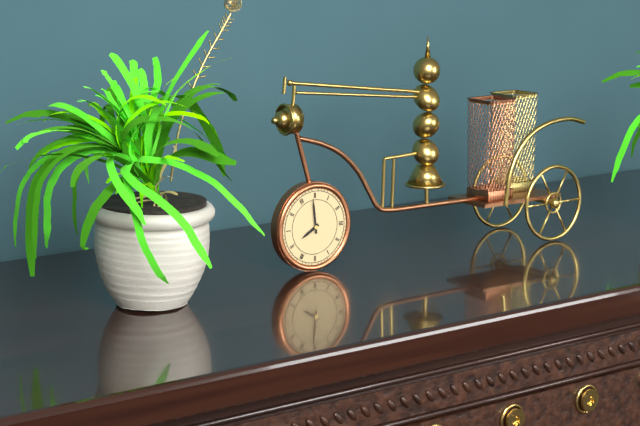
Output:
7 h 59 min
